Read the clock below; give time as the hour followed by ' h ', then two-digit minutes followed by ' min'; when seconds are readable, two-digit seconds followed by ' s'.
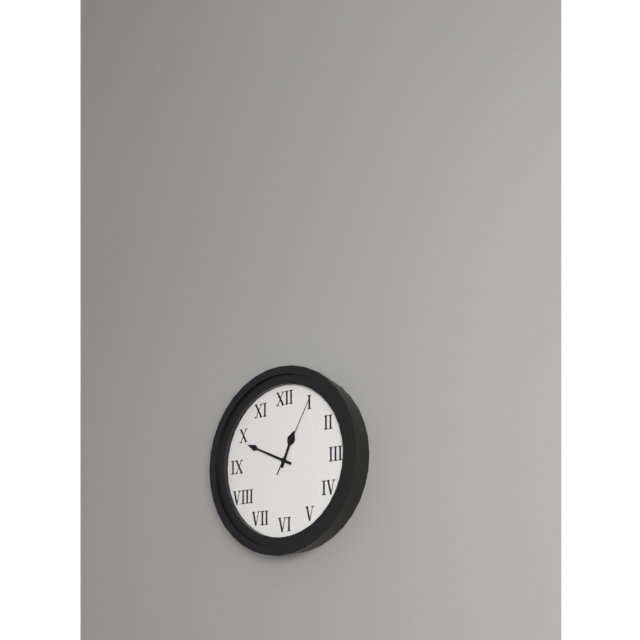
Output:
12 h 49 min 05 s
